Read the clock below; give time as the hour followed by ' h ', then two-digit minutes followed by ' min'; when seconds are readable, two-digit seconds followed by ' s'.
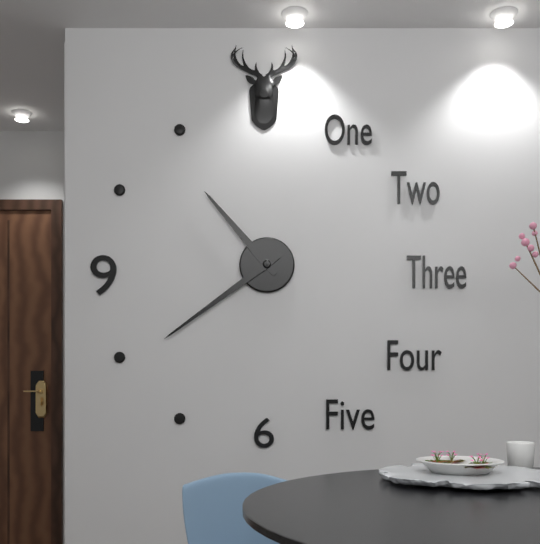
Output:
10 h 39 min
